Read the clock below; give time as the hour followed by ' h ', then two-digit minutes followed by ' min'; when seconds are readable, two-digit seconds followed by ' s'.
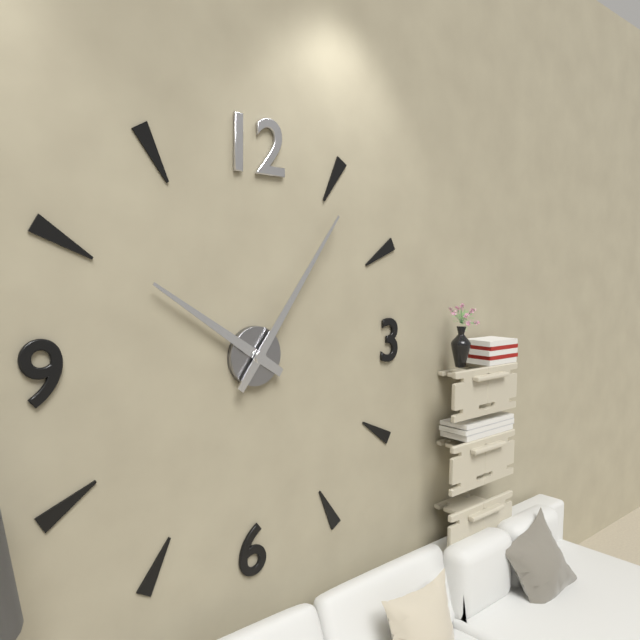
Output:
10 h 06 min
